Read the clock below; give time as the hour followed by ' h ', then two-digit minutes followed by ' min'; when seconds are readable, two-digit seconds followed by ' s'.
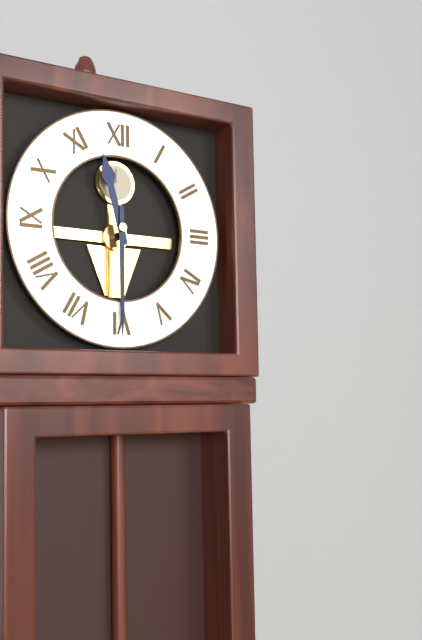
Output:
11 h 30 min
